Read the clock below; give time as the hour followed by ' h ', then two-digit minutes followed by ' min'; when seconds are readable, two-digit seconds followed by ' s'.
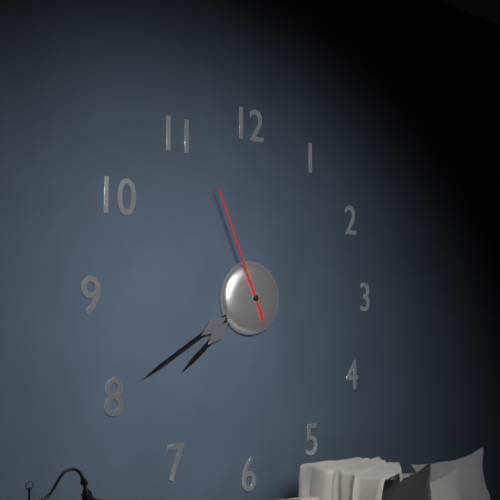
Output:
7 h 40 min 56 s
